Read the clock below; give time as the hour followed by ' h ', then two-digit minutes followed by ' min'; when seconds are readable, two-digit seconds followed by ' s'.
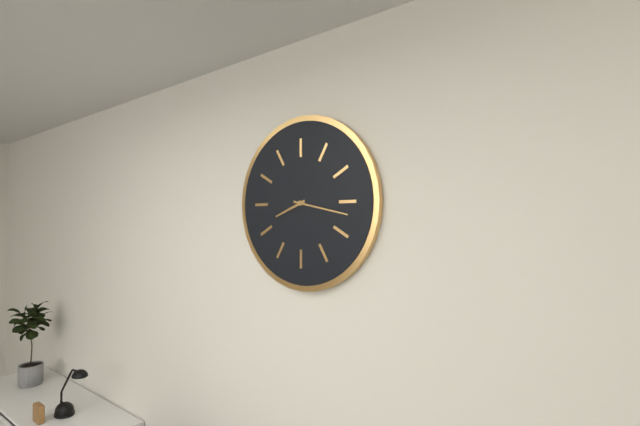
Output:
8 h 17 min
